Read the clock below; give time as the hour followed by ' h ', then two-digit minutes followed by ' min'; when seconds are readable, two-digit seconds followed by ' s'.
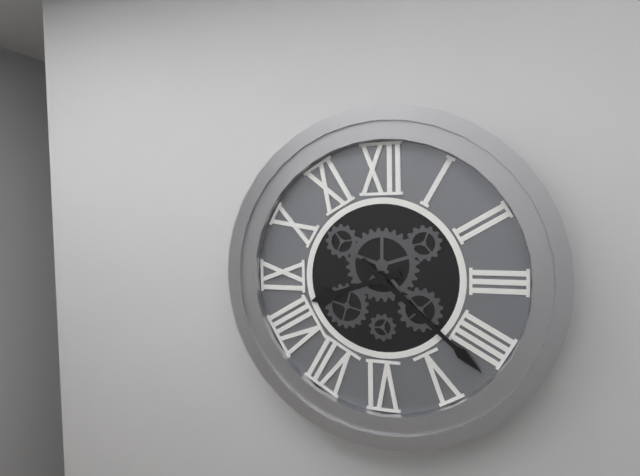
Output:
8 h 22 min
